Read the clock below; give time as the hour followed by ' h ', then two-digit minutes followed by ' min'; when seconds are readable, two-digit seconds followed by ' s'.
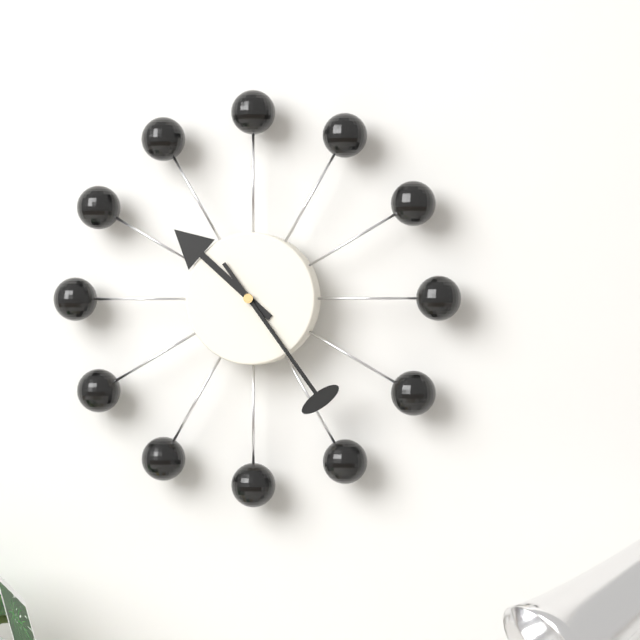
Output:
10 h 24 min
